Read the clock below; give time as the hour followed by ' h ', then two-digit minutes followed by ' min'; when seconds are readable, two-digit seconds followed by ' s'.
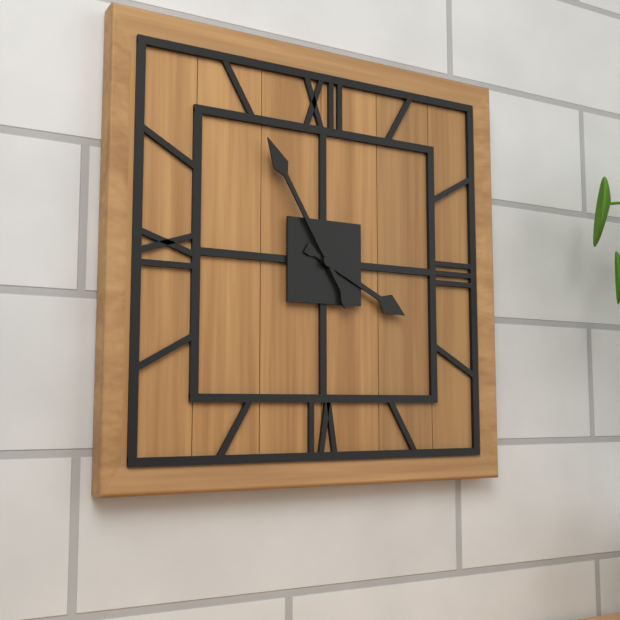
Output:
3 h 55 min
